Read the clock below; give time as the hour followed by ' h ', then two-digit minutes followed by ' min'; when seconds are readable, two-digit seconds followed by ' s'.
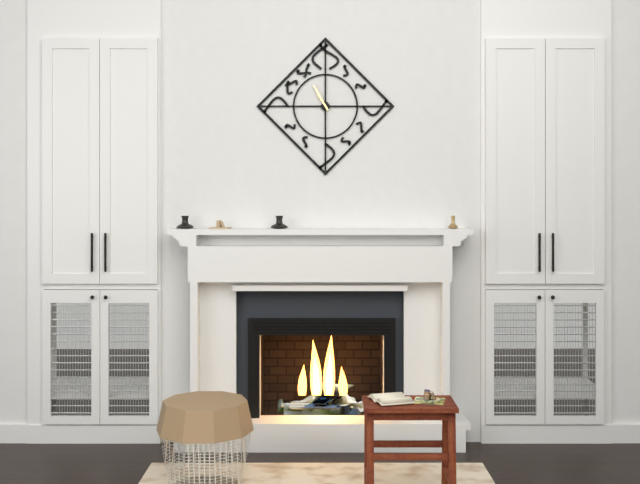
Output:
10 h 55 min
